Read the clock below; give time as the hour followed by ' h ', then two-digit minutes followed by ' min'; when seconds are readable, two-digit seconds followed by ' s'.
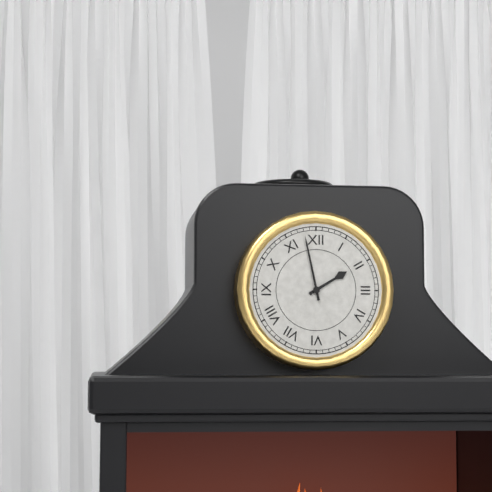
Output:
1 h 58 min
